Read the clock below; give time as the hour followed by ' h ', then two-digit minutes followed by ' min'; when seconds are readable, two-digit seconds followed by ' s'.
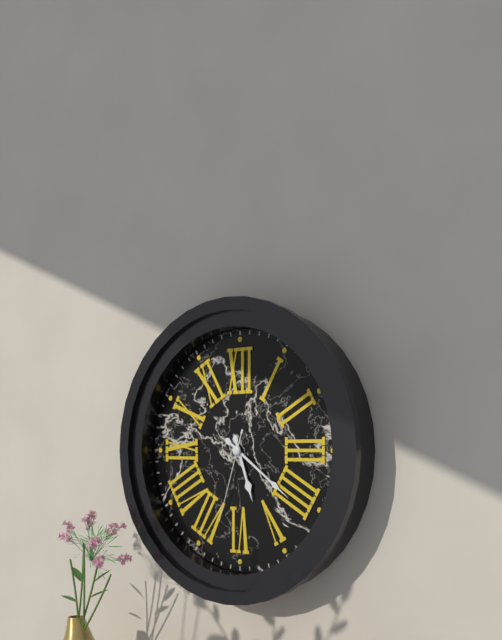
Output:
5 h 21 min 33 s
